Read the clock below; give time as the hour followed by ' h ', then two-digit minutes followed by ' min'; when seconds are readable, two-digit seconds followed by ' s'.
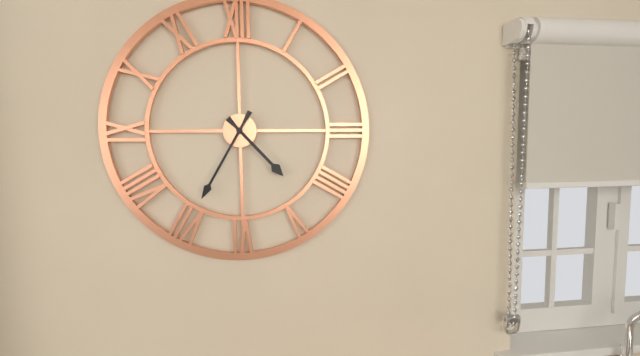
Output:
4 h 35 min
